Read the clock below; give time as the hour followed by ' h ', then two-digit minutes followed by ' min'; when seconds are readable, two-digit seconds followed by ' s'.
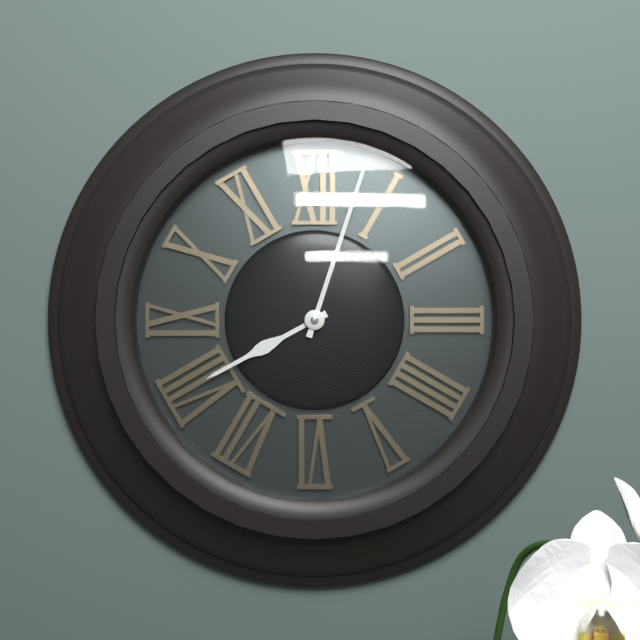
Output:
8 h 03 min
